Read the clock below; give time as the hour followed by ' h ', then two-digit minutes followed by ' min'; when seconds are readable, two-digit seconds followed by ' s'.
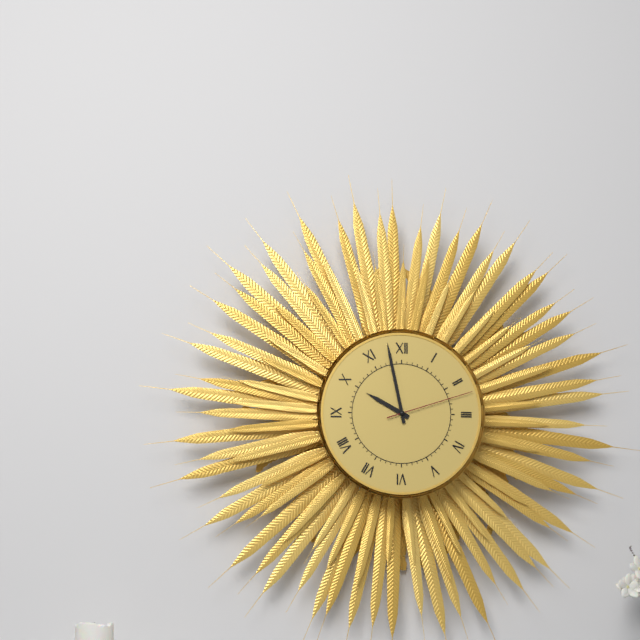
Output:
9 h 58 min 12 s
